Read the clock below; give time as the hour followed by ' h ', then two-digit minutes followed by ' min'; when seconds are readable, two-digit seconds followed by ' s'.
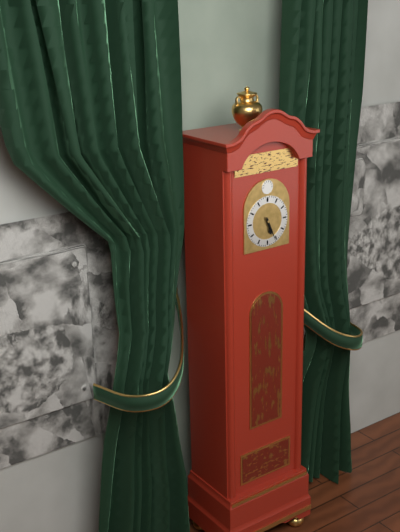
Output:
5 h 26 min
